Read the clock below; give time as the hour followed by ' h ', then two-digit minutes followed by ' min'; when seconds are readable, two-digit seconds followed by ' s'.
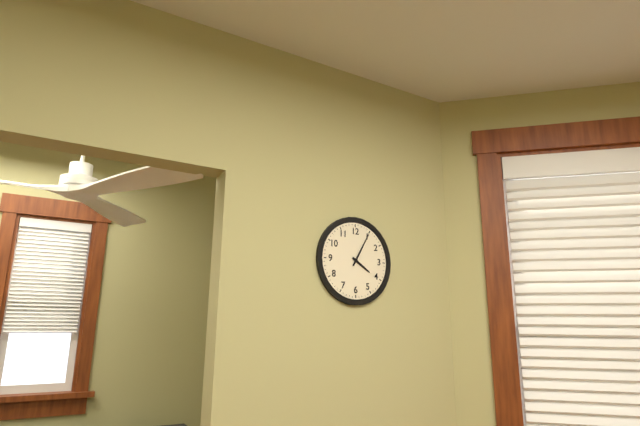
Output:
4 h 05 min
